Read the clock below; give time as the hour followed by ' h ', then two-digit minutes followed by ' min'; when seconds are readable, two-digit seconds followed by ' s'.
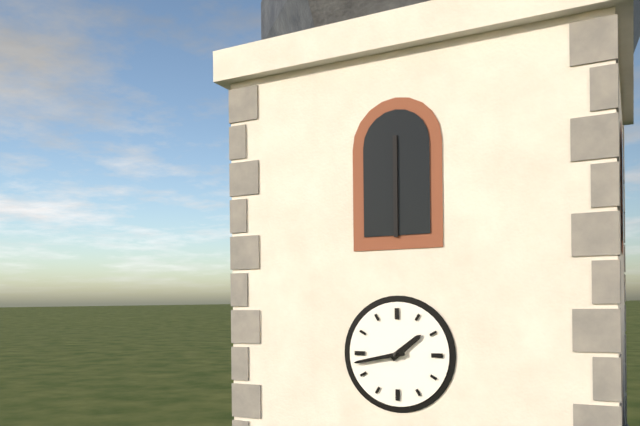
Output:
1 h 43 min
